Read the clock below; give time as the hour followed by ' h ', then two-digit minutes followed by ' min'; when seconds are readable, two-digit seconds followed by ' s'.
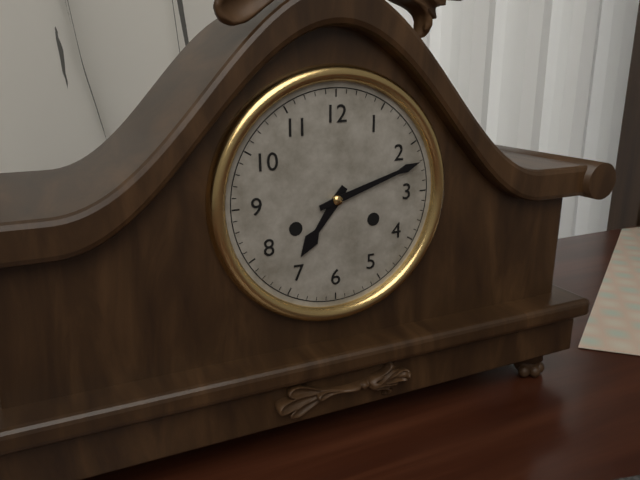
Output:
7 h 12 min
